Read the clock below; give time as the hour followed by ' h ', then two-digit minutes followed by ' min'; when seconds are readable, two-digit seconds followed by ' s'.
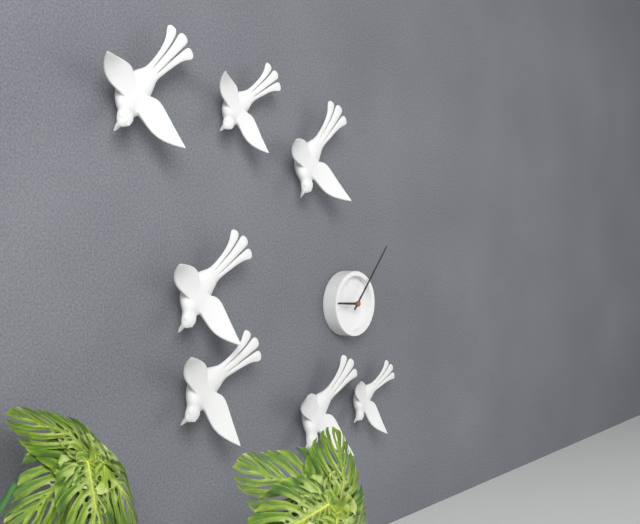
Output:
9 h 07 min
